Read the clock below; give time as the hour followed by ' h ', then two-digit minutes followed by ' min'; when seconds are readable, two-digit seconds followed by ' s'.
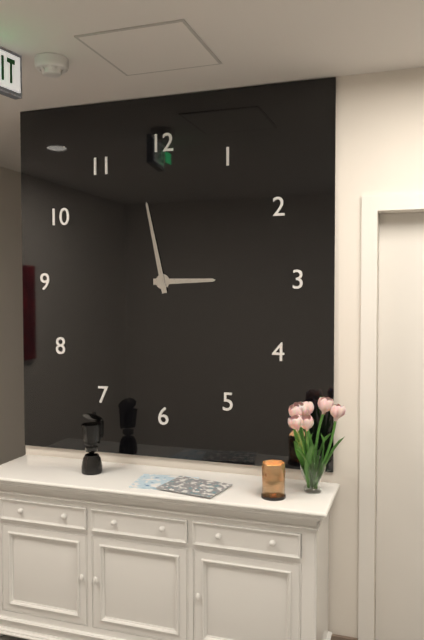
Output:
2 h 58 min
